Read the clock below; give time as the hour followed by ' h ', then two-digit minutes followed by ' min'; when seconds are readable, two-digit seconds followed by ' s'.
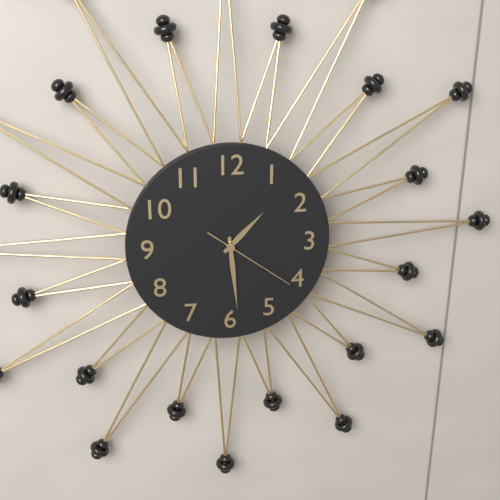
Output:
1 h 29 min 21 s
